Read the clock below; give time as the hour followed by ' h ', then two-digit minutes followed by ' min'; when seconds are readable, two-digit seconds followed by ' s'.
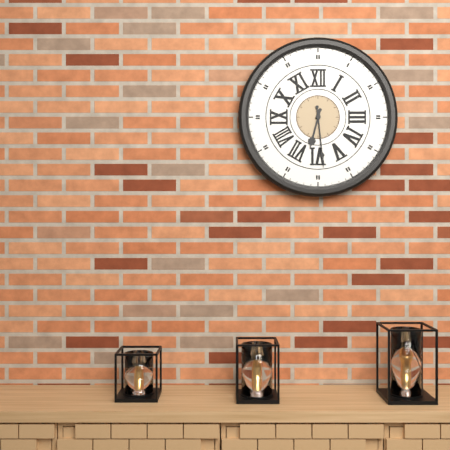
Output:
6 h 29 min
